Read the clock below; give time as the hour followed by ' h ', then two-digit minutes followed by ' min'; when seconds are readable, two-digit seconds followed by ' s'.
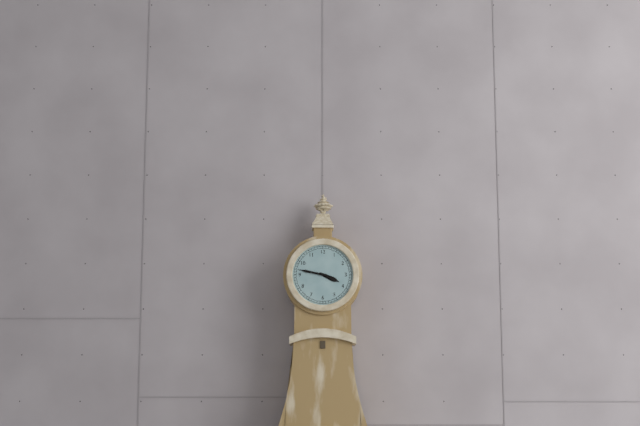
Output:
3 h 47 min
